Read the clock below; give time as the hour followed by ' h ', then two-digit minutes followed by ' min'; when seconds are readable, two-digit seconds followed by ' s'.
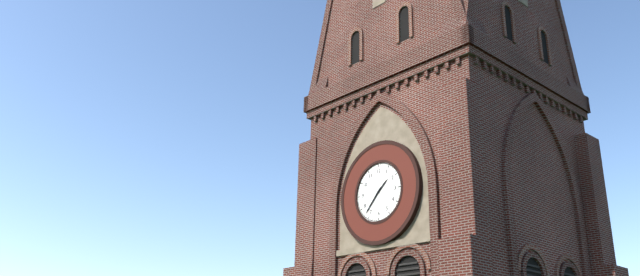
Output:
1 h 37 min
